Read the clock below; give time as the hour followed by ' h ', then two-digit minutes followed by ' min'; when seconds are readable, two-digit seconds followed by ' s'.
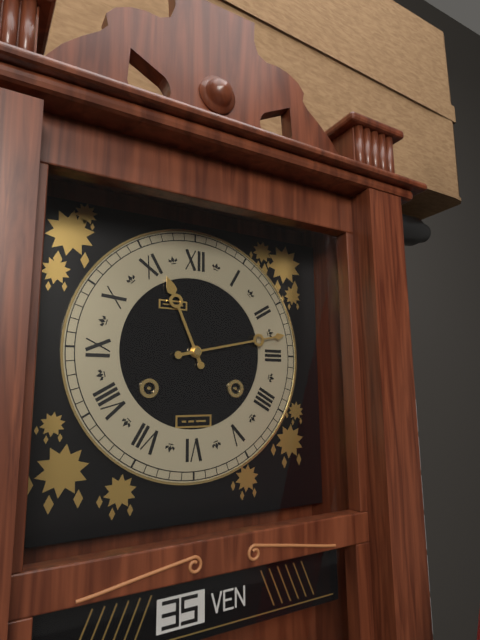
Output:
11 h 13 min
